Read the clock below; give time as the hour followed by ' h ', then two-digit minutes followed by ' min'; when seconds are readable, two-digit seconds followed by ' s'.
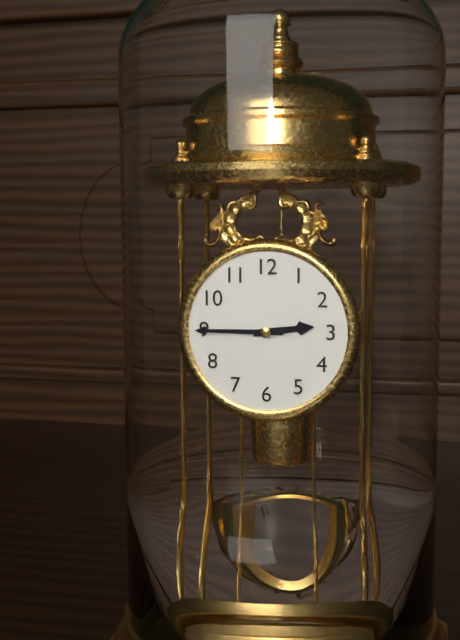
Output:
2 h 45 min
